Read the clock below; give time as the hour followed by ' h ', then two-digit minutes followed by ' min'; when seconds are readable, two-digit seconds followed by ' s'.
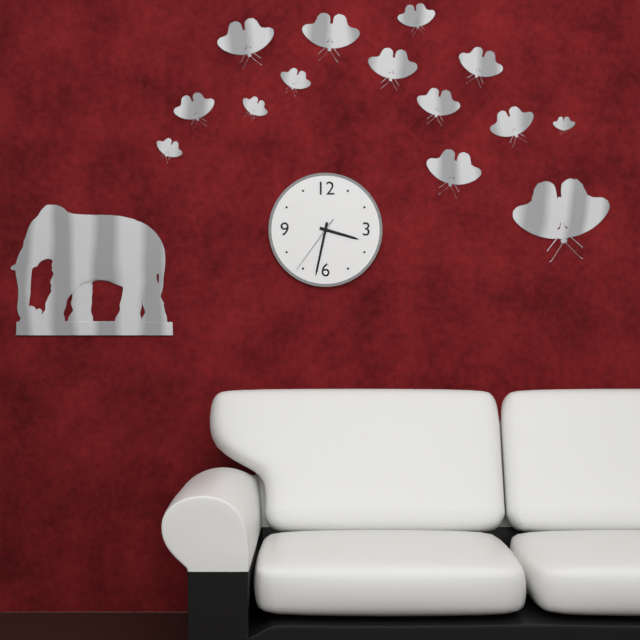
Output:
3 h 32 min 36 s
